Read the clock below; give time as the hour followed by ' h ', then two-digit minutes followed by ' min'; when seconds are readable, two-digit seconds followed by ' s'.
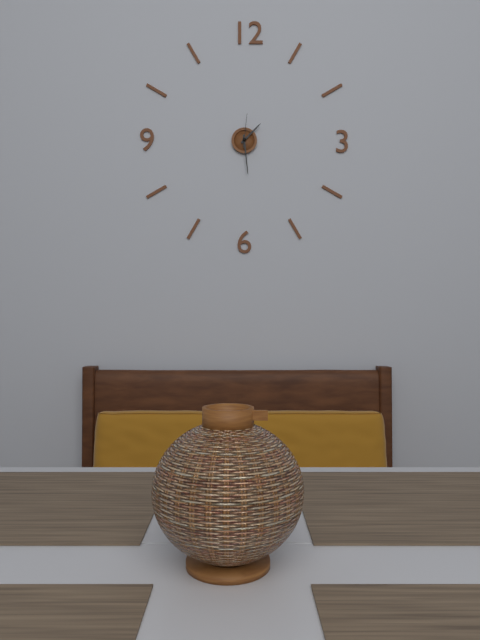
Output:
1 h 29 min
